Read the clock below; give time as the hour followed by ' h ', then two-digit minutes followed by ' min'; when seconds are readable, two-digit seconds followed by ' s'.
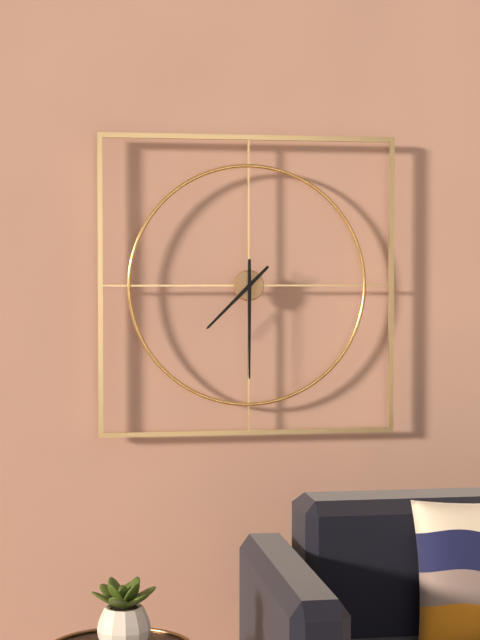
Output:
7 h 30 min
